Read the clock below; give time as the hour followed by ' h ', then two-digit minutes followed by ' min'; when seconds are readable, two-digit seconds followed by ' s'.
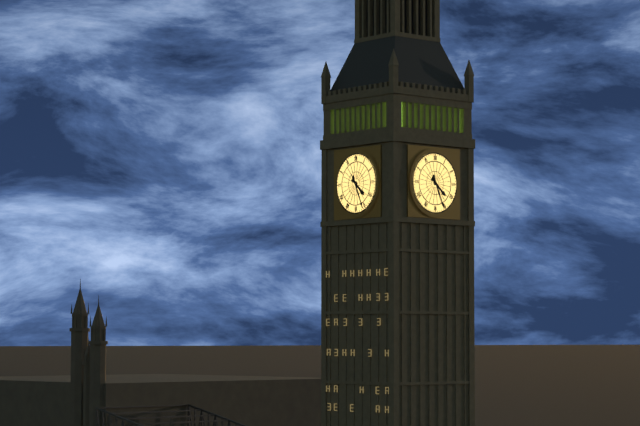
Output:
4 h 26 min
